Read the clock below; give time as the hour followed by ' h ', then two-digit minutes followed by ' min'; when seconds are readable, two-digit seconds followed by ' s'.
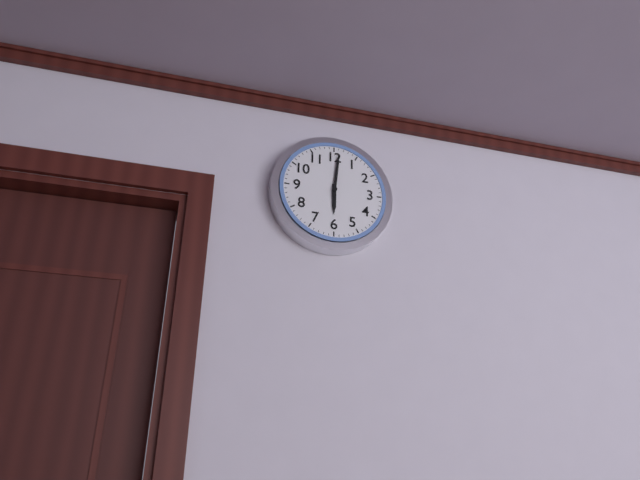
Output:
6 h 01 min
